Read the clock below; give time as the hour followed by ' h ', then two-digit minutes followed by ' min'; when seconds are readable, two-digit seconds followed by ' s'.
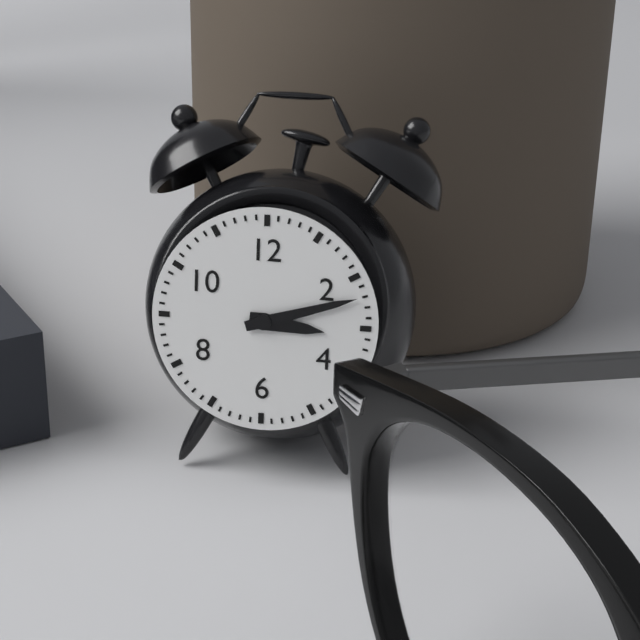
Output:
3 h 12 min
